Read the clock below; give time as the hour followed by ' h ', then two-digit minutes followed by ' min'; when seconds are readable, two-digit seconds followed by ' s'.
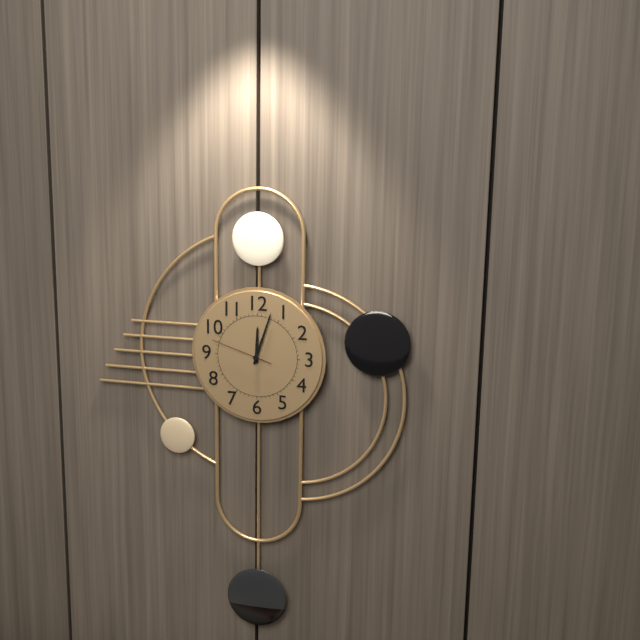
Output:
12 h 03 min 48 s
